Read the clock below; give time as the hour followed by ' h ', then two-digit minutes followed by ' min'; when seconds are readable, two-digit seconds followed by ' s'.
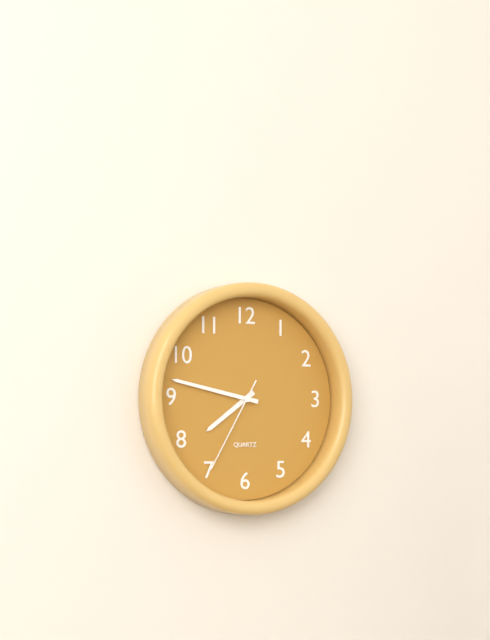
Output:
7 h 47 min 35 s
